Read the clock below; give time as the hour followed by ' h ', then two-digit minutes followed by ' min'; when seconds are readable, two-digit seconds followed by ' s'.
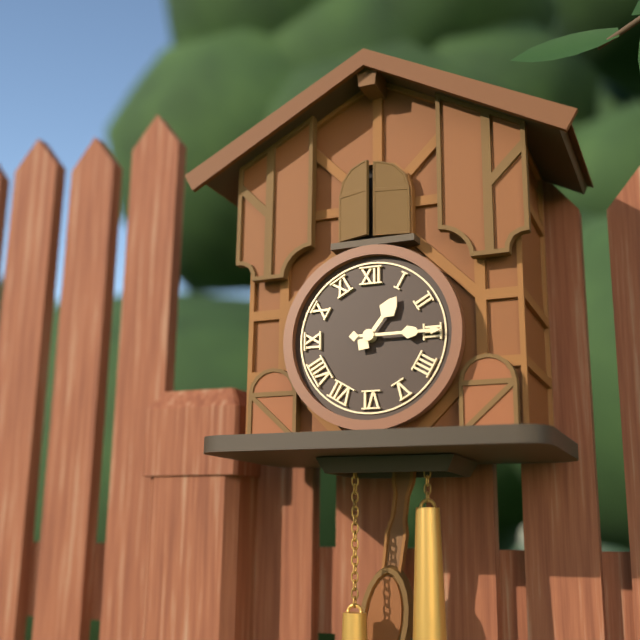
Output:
1 h 15 min
